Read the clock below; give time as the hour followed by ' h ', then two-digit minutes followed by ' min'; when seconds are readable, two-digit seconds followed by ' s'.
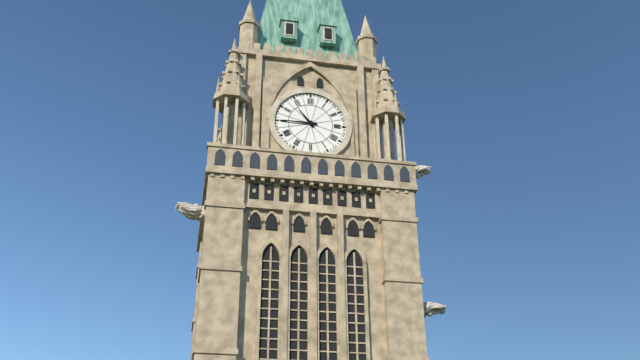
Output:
10 h 45 min
